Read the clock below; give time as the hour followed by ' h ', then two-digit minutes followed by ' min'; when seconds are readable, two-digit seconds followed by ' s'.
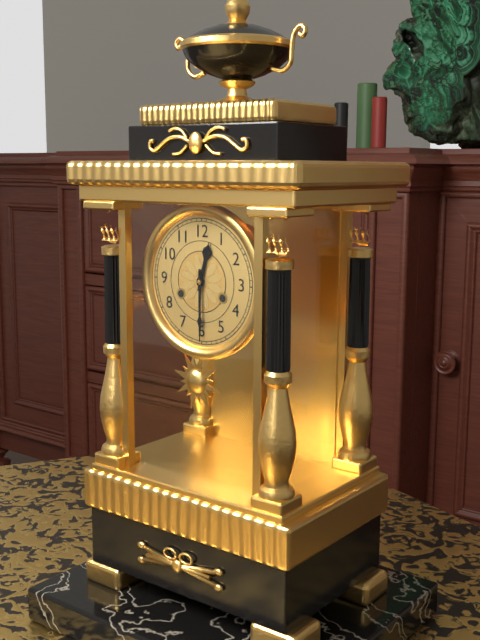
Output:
12 h 30 min
